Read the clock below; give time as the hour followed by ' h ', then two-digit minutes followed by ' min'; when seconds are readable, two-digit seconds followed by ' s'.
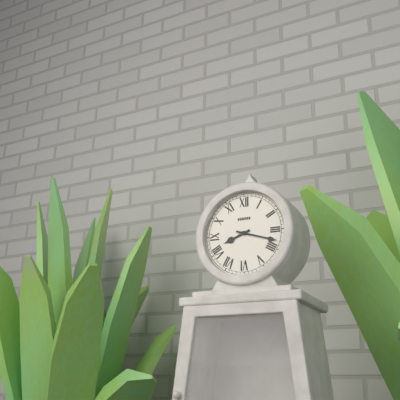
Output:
8 h 18 min
